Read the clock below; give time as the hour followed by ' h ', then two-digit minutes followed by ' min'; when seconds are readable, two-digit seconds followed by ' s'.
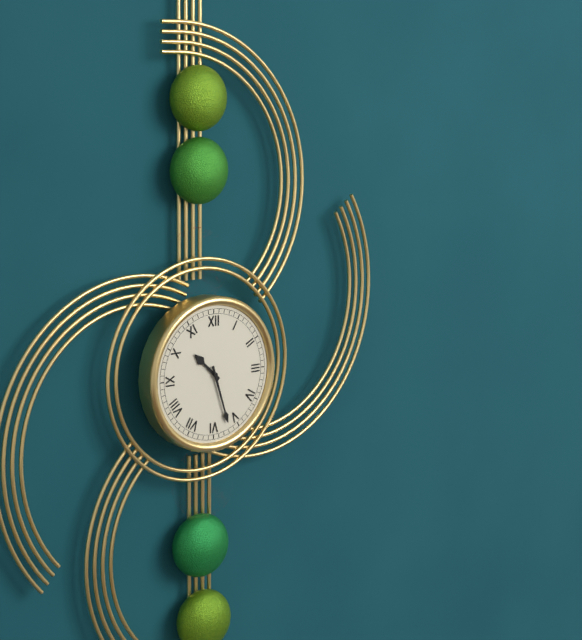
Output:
10 h 27 min
